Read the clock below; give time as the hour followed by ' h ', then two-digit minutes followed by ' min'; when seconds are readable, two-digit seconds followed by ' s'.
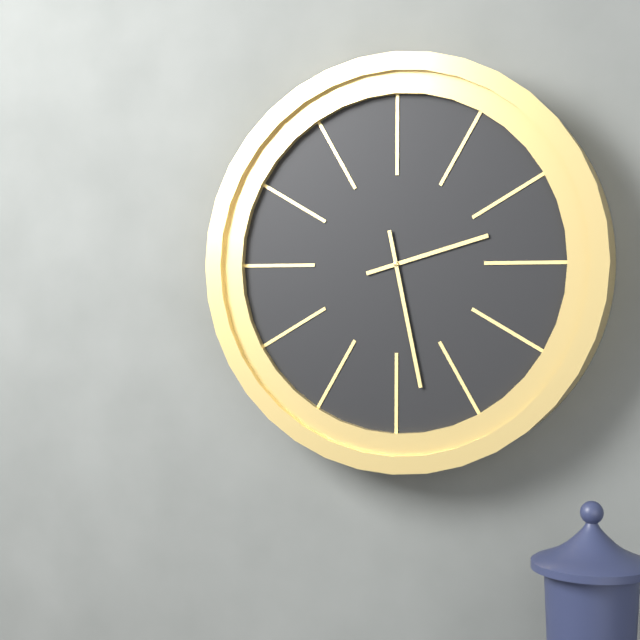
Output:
2 h 28 min
